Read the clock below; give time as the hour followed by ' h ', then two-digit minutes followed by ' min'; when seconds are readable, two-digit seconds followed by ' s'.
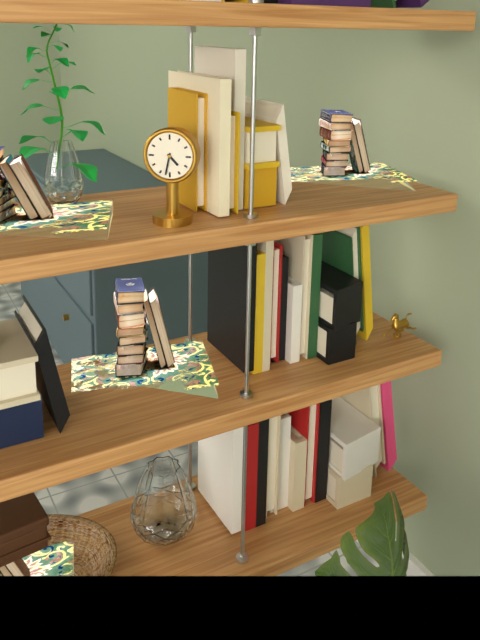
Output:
4 h 32 min
